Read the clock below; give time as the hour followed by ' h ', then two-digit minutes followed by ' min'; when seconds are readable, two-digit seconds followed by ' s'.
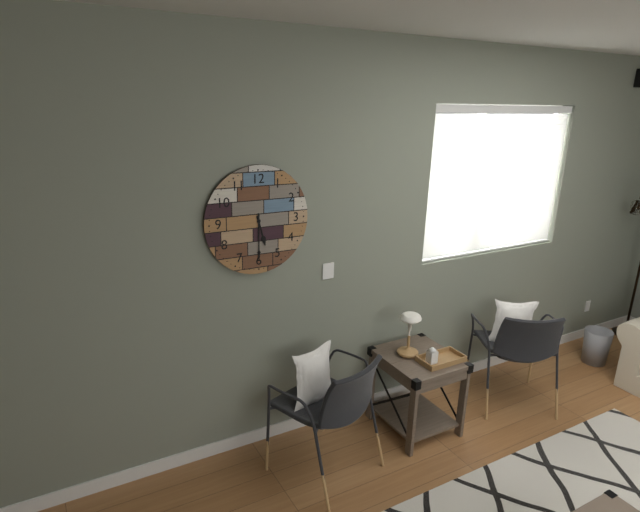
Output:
5 h 30 min
